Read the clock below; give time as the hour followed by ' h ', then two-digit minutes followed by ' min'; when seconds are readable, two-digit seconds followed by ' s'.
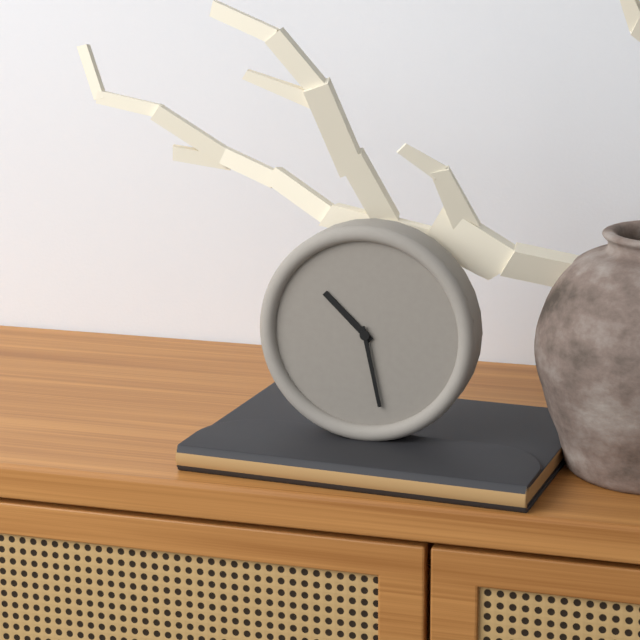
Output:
10 h 28 min
